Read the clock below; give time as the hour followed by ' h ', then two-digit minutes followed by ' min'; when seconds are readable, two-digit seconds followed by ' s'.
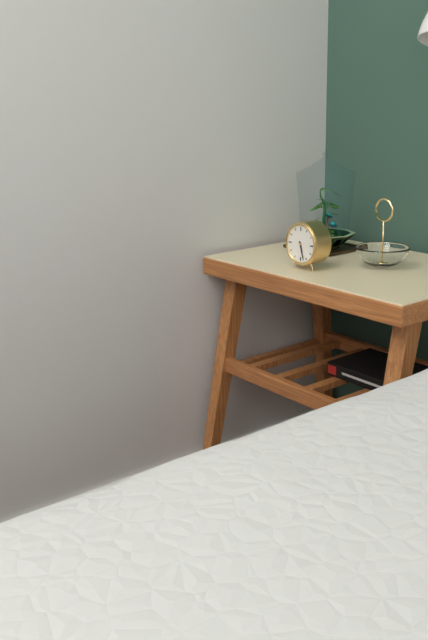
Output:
5 h 27 min
